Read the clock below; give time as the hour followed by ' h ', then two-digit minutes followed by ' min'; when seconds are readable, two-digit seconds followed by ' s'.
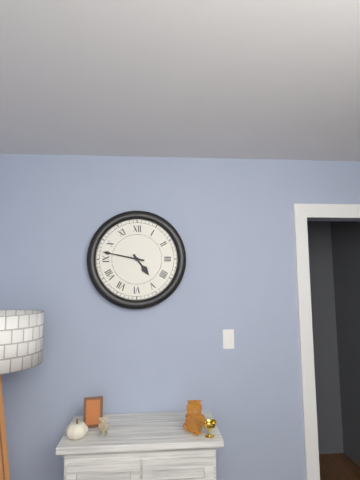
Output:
4 h 47 min
